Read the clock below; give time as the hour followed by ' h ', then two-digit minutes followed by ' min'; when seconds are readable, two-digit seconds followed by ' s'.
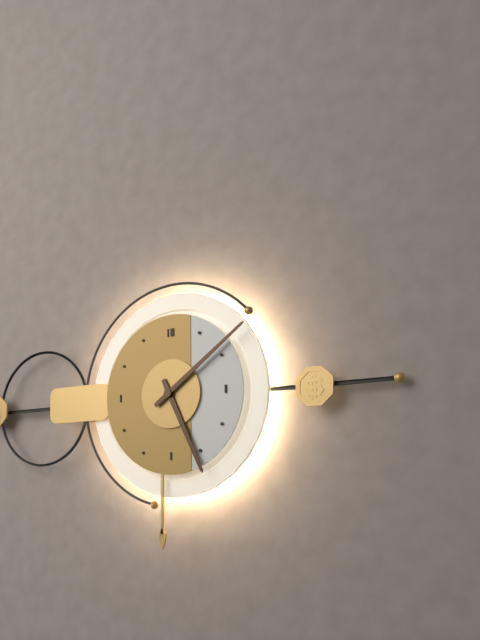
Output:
5 h 09 min
